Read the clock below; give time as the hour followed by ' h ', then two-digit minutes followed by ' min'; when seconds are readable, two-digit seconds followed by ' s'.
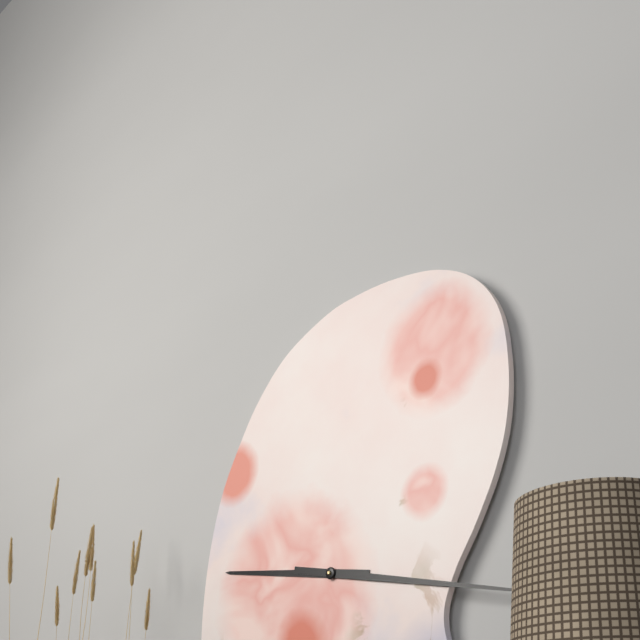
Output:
9 h 17 min
